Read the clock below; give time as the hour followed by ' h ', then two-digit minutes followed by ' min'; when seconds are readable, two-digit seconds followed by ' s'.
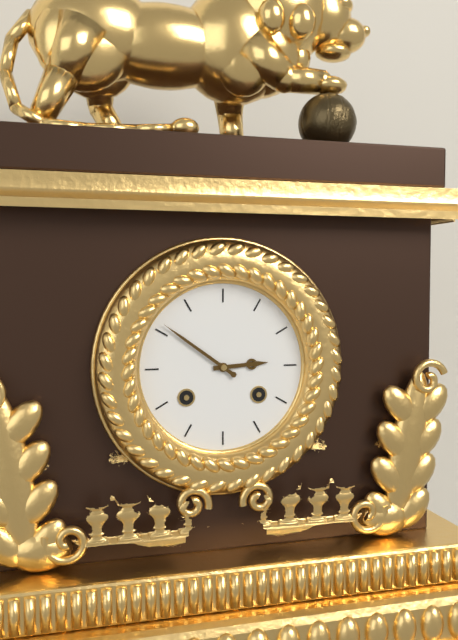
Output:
2 h 51 min
